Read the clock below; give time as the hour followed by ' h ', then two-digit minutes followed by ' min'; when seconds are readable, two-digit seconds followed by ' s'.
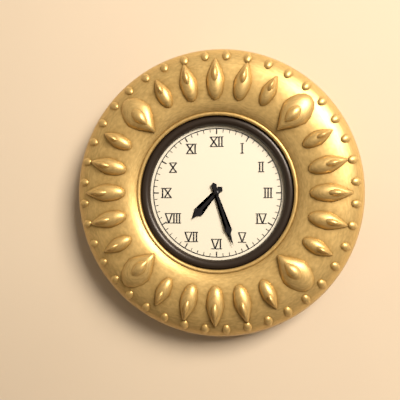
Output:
7 h 27 min
